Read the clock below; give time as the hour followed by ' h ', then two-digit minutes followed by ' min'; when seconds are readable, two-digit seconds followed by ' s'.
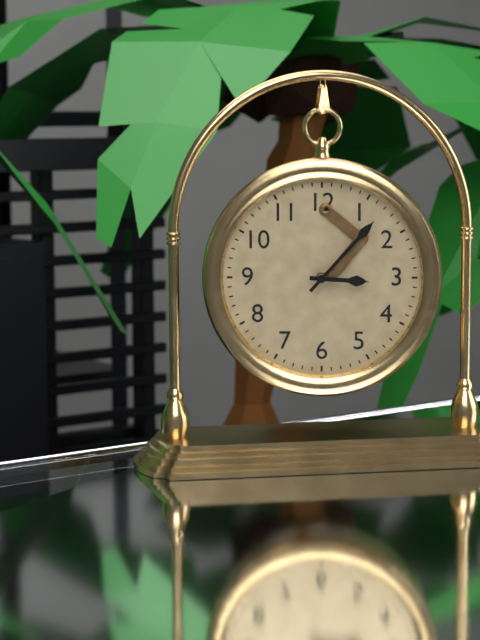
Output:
3 h 07 min
